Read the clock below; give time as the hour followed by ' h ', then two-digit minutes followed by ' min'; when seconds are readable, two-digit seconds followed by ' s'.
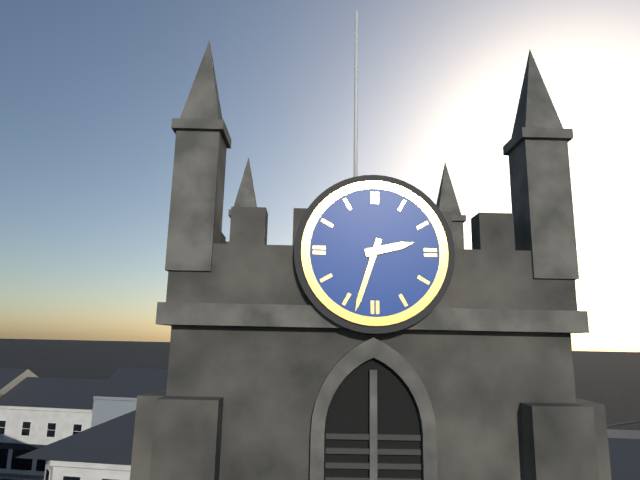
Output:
2 h 33 min
